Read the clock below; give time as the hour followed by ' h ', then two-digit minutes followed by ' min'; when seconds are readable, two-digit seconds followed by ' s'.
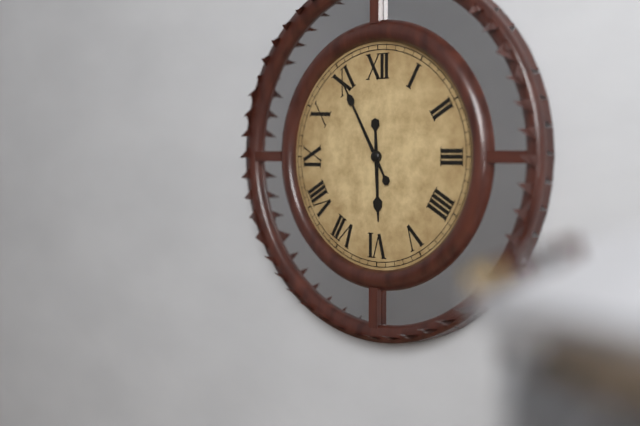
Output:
5 h 55 min
